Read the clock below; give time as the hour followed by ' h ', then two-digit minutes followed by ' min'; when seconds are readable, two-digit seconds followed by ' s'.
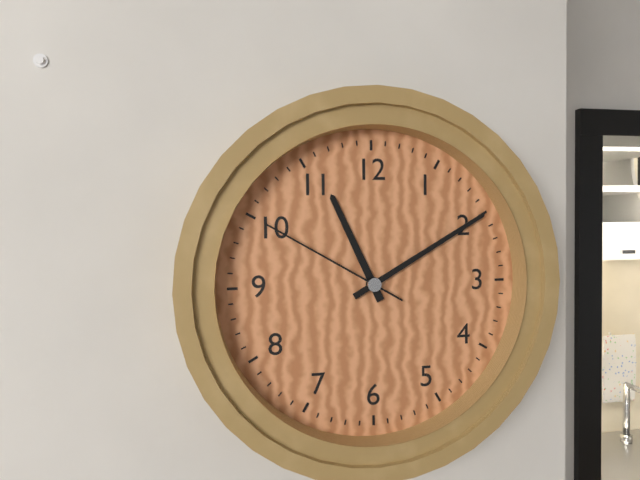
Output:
11 h 10 min 50 s
